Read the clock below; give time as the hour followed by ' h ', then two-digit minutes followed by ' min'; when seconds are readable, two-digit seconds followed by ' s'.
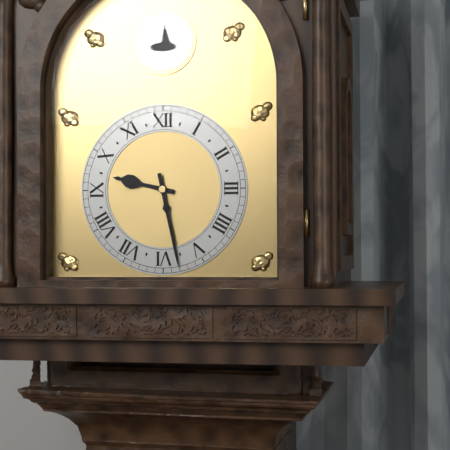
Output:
9 h 28 min
